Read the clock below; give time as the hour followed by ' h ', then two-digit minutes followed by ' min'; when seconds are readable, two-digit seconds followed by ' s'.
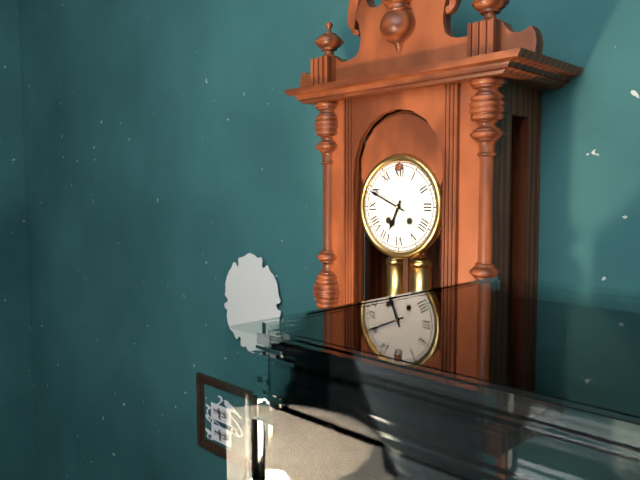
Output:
6 h 49 min
